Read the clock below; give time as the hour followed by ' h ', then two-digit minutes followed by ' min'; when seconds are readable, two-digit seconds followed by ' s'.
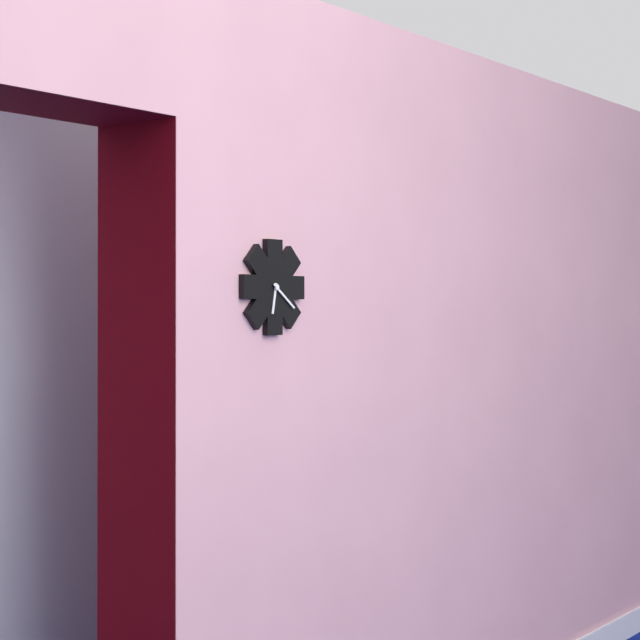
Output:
6 h 21 min
